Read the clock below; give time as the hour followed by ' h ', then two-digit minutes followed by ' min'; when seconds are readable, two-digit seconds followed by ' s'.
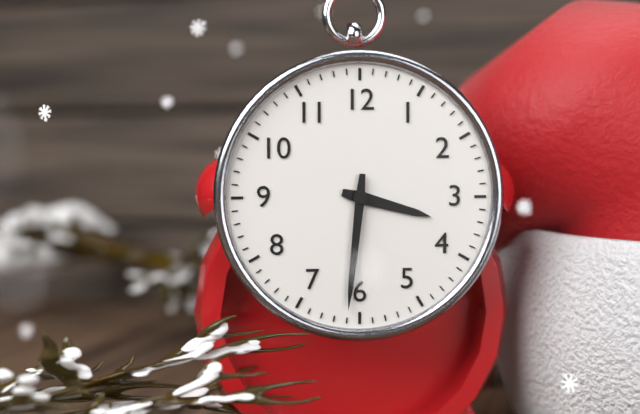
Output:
3 h 31 min
